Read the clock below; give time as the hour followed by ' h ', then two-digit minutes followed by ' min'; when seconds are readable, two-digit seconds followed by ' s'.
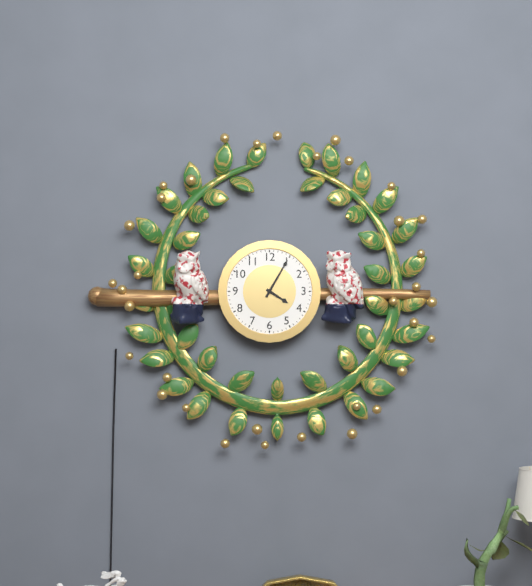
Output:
4 h 05 min
